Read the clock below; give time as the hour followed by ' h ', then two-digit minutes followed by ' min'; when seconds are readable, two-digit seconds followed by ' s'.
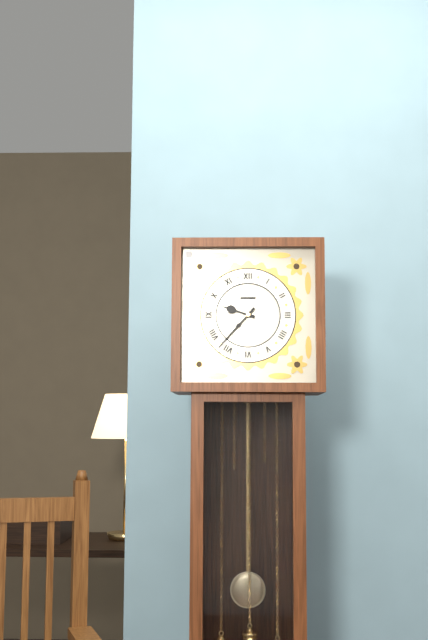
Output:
9 h 37 min
